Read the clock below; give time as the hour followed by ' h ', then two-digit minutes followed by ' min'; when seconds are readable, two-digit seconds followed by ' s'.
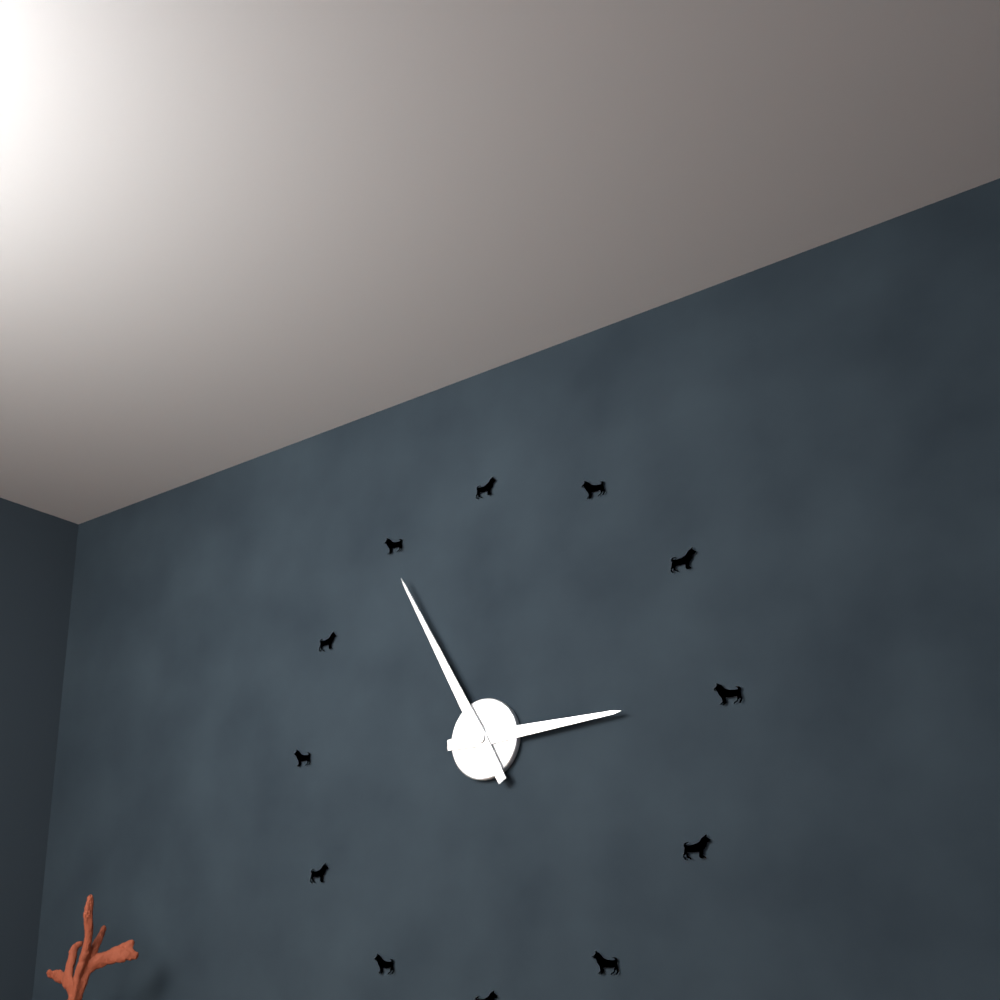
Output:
2 h 55 min
